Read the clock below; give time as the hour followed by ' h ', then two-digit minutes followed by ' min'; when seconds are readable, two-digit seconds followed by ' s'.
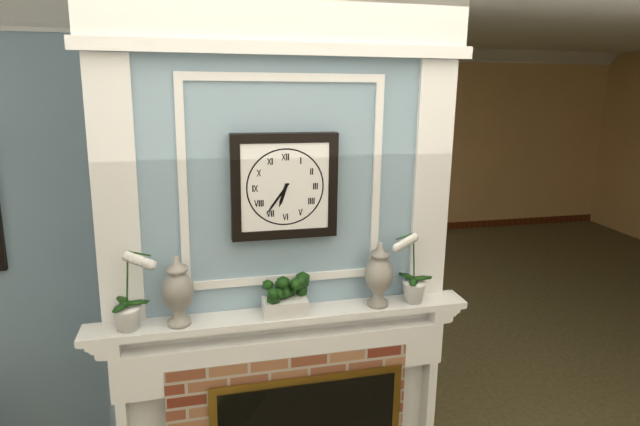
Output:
6 h 36 min
